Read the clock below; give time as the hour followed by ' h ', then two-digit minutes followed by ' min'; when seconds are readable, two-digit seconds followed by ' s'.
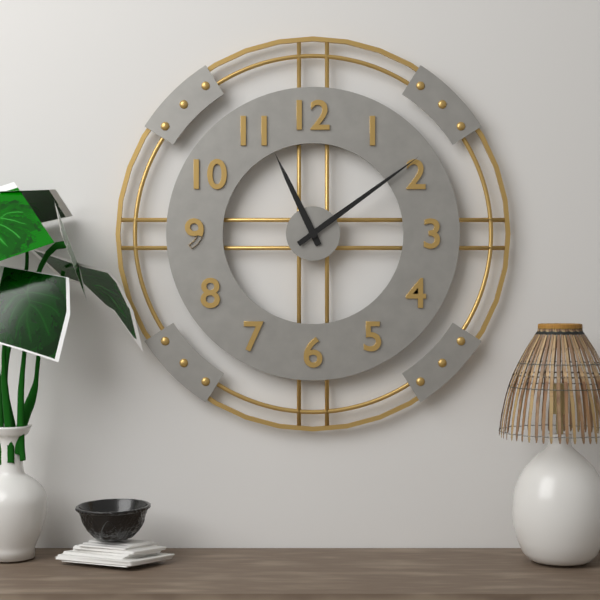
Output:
11 h 09 min
